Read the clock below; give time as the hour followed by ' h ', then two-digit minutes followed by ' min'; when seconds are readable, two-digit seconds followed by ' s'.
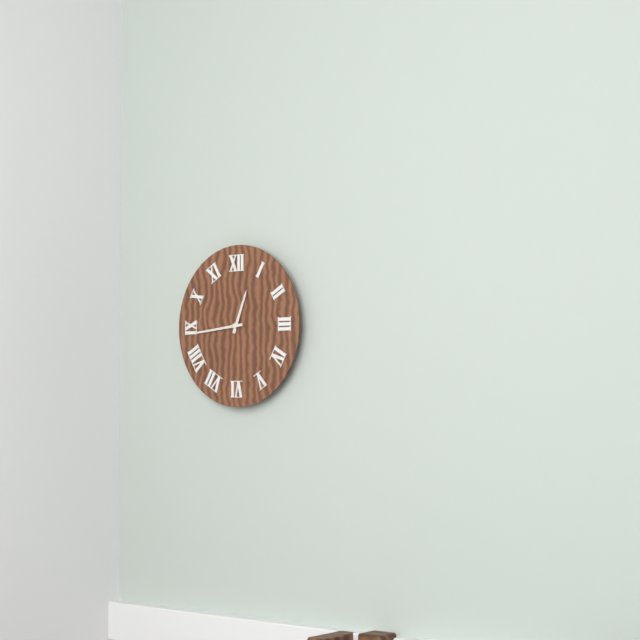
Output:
12 h 44 min
